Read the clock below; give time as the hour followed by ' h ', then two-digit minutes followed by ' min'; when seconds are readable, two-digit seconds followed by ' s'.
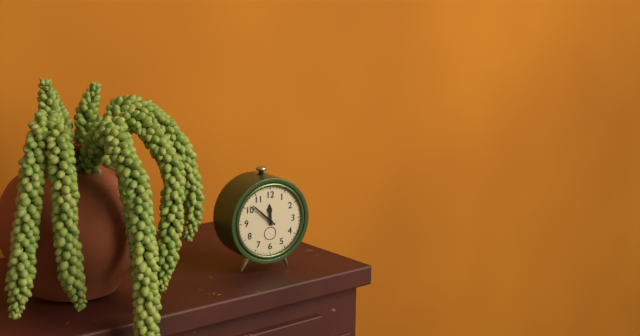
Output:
11 h 52 min
